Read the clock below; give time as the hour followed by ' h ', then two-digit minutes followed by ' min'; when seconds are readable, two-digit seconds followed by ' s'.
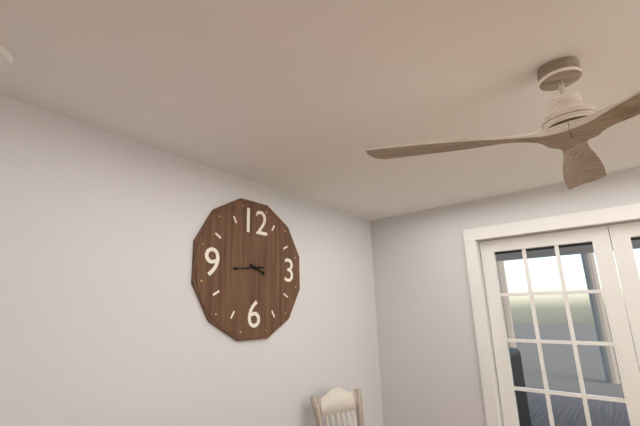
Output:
3 h 44 min
